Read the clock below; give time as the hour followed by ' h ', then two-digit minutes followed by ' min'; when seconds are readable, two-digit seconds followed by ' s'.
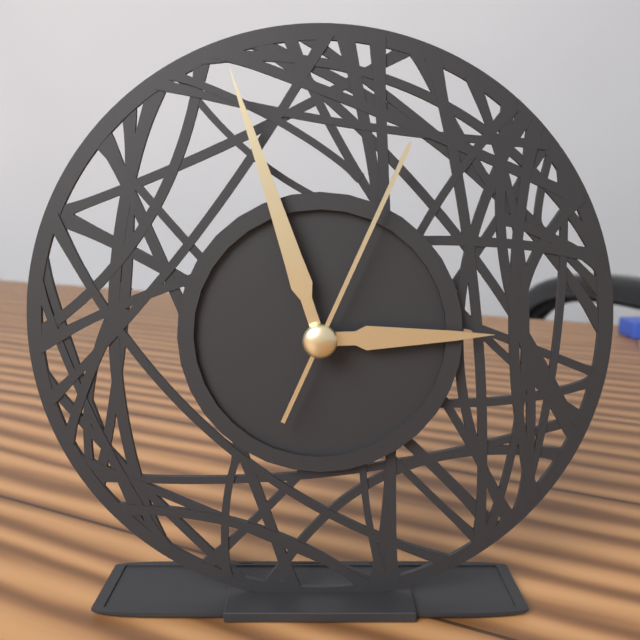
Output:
2 h 57 min 04 s
